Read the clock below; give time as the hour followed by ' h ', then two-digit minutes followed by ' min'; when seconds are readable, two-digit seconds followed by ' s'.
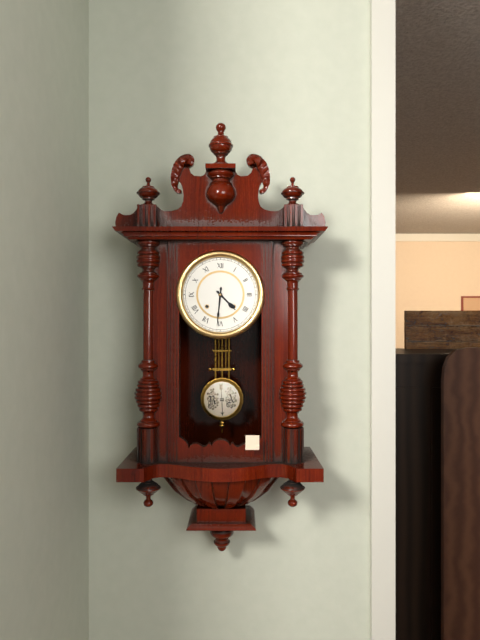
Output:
4 h 31 min
